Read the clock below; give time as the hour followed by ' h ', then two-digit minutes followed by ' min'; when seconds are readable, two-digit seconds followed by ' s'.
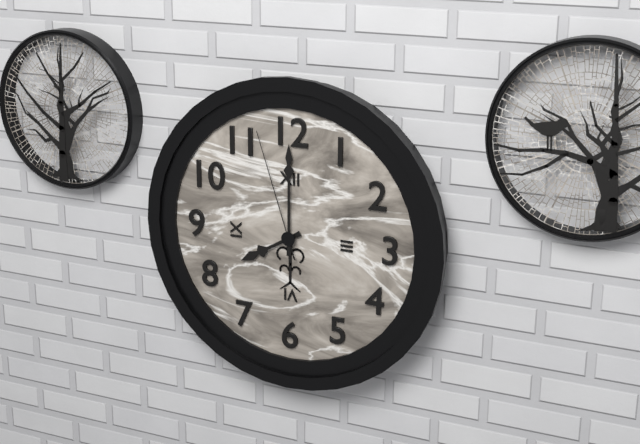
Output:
8 h 00 min 57 s
